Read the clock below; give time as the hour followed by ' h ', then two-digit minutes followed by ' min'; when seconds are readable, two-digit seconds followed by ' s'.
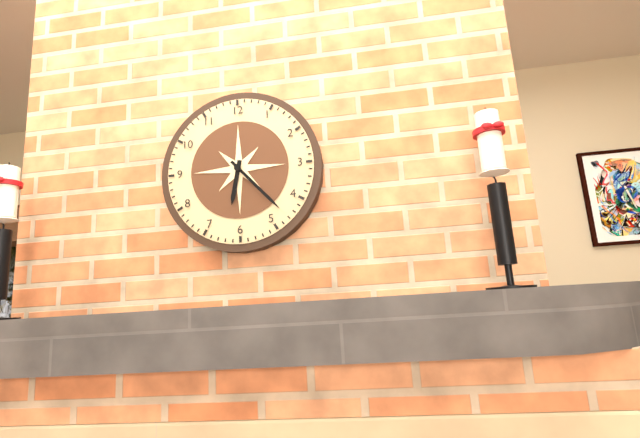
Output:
6 h 23 min
